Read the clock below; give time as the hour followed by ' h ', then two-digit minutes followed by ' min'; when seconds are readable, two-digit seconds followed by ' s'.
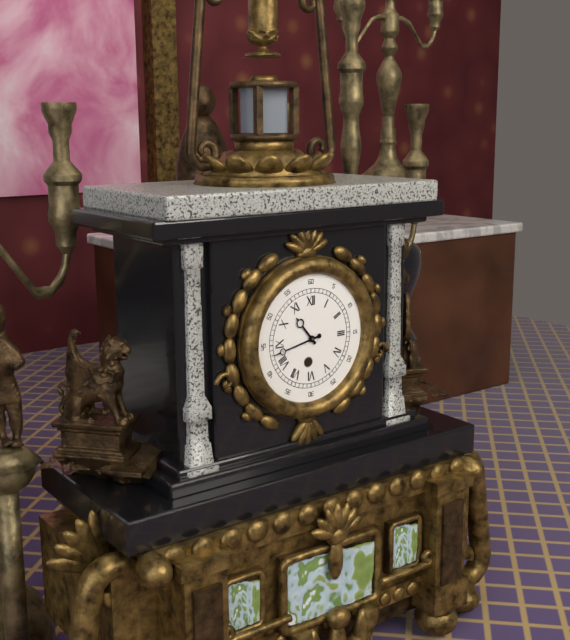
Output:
10 h 43 min
